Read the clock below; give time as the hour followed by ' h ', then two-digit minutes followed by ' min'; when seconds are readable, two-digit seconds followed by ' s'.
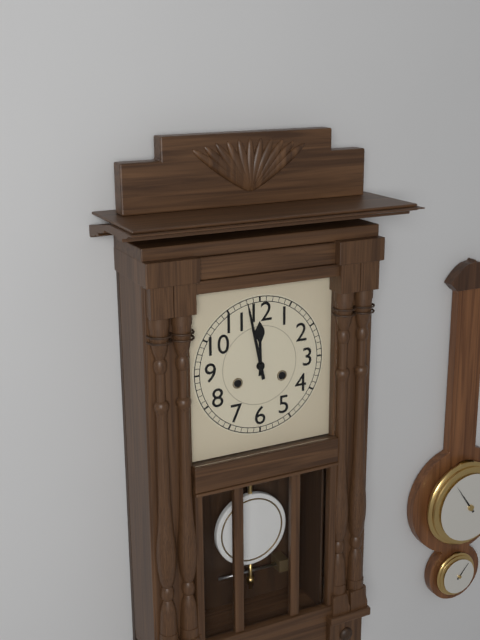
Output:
11 h 58 min
